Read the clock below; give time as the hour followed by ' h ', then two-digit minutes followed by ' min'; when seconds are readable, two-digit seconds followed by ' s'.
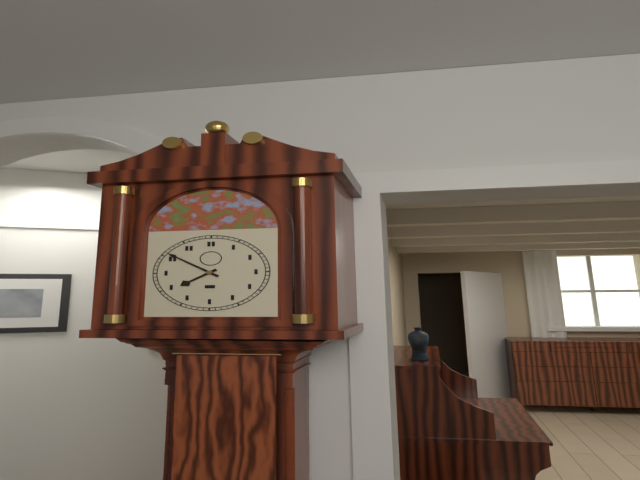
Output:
7 h 51 min
